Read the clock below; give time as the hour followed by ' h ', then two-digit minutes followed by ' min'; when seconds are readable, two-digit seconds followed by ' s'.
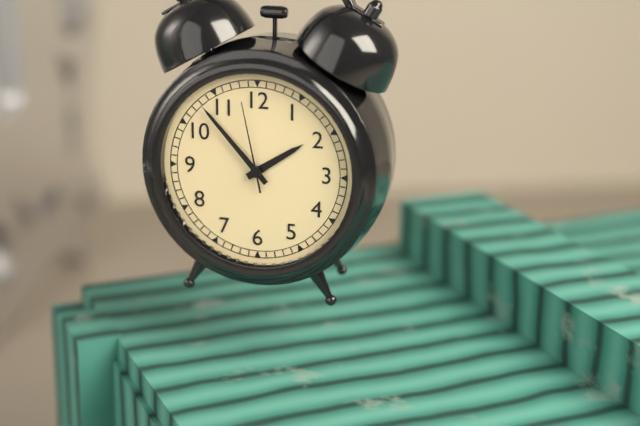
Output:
1 h 53 min 58 s
